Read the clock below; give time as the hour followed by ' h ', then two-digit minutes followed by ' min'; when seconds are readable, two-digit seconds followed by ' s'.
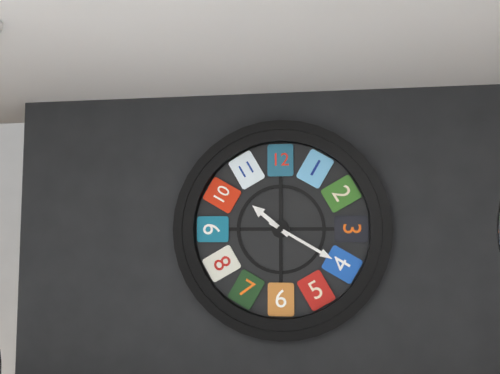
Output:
10 h 20 min
